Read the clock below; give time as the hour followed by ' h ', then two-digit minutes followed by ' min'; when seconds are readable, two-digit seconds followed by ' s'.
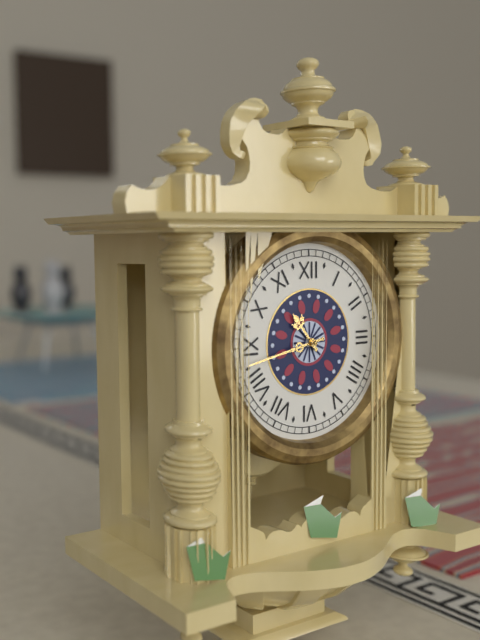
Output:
10 h 43 min
